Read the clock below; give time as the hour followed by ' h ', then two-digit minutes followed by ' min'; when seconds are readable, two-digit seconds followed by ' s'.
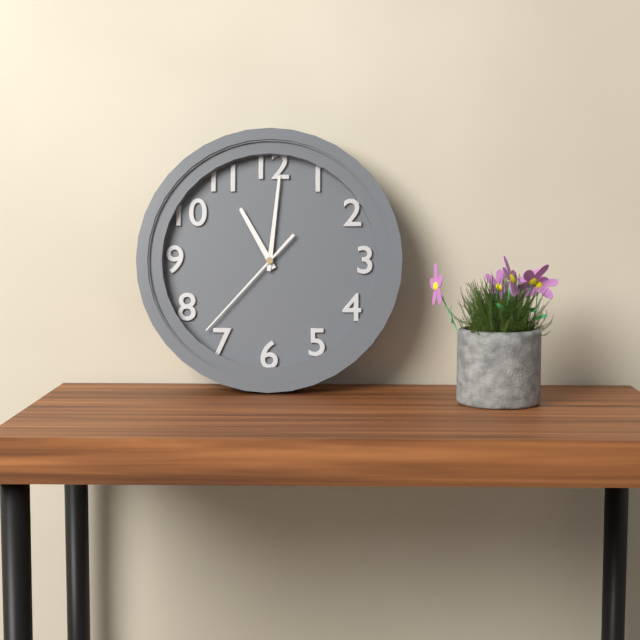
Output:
11 h 01 min 37 s
